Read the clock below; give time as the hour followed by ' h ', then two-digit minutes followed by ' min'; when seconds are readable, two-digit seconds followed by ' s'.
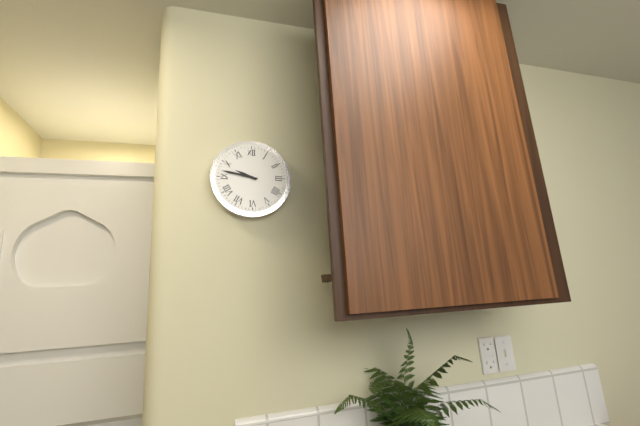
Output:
9 h 47 min
